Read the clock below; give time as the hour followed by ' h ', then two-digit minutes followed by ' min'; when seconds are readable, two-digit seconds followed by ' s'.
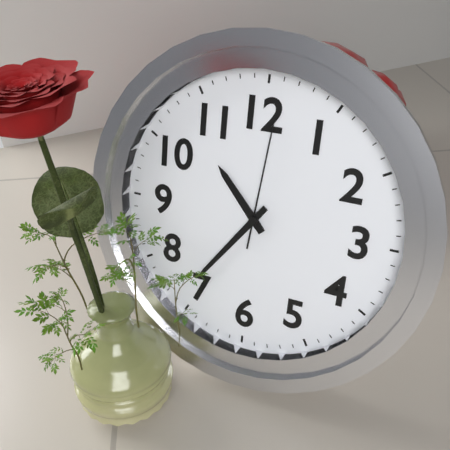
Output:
10 h 36 min 01 s
